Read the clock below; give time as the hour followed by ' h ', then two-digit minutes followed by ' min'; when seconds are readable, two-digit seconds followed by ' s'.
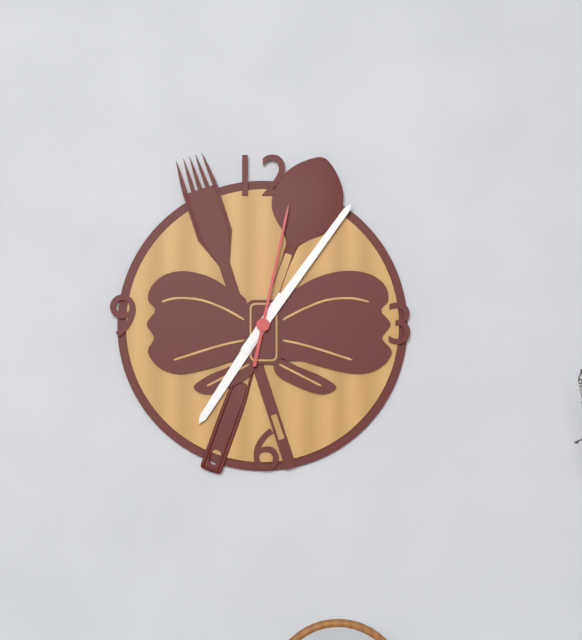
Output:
7 h 06 min 02 s
